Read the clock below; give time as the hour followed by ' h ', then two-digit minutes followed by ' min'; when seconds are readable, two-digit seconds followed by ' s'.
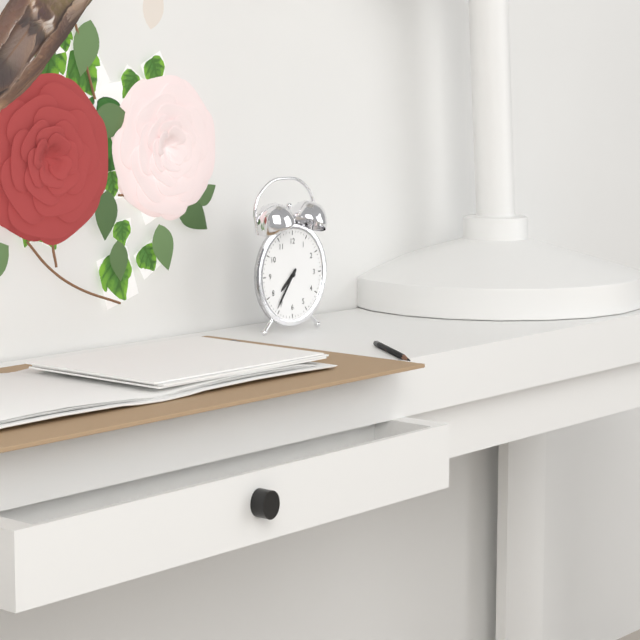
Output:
7 h 36 min
